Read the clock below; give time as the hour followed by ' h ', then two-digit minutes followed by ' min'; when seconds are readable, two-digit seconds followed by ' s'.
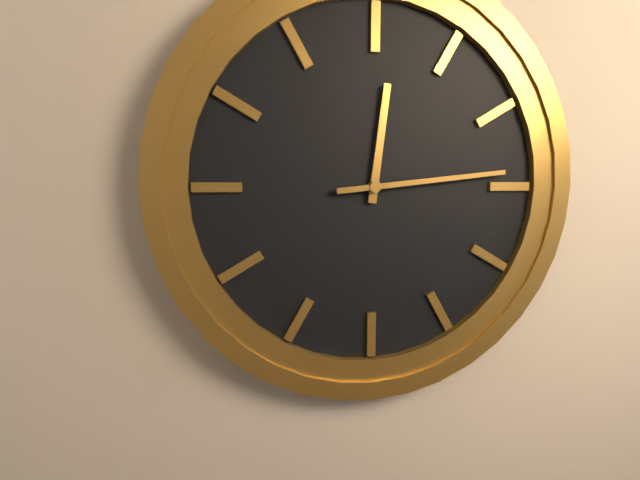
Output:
12 h 14 min
